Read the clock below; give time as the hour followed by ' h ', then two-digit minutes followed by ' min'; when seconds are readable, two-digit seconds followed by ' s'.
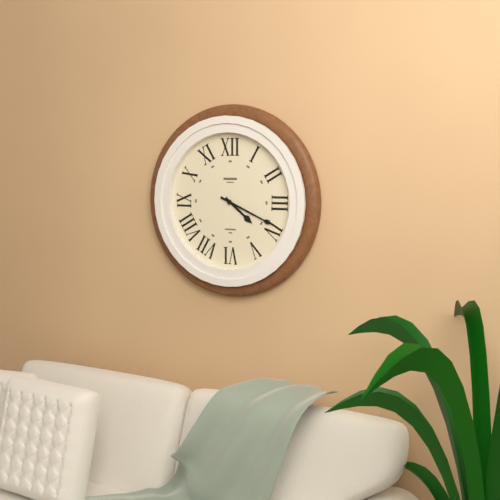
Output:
4 h 19 min
